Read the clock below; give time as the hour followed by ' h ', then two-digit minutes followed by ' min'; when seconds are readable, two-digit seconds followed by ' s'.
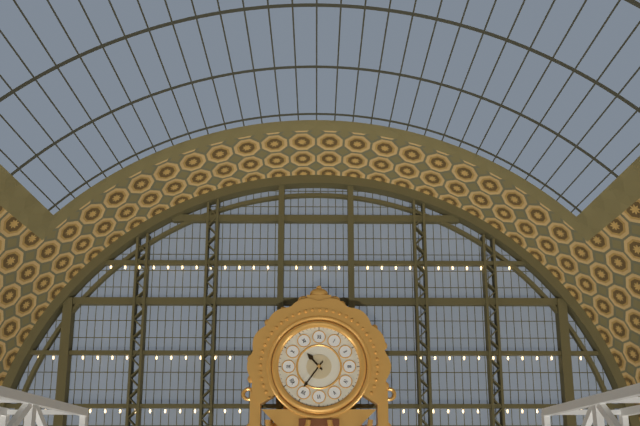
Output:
10 h 36 min
